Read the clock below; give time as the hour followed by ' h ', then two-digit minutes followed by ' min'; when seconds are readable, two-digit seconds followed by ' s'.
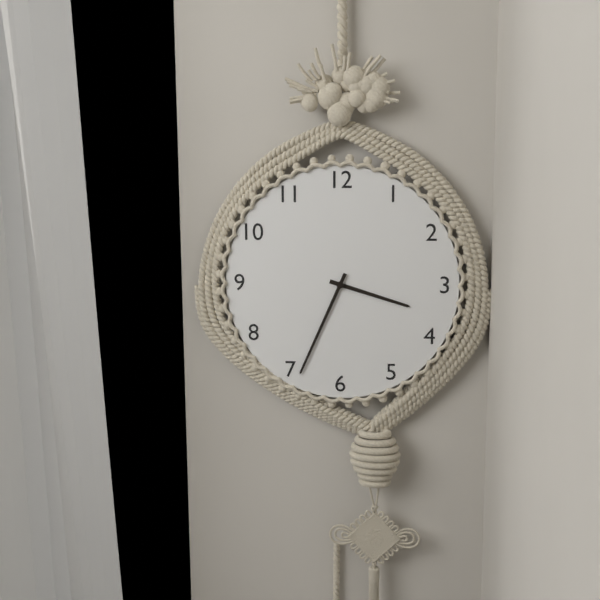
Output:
3 h 34 min
